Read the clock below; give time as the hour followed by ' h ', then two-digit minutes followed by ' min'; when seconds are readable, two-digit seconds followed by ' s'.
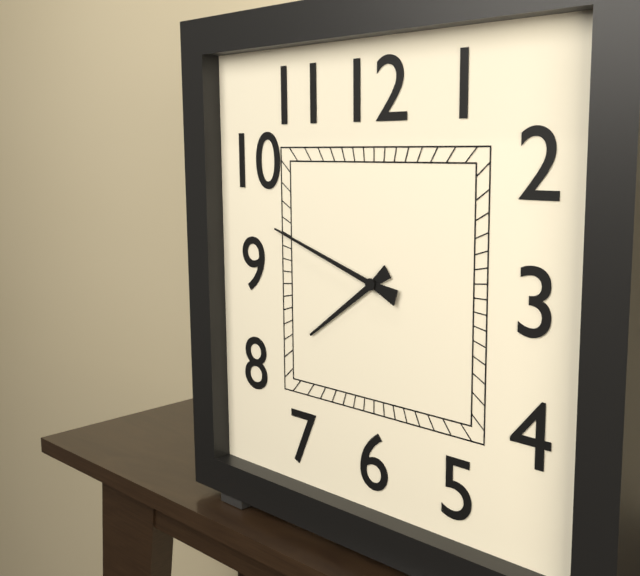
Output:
7 h 48 min
